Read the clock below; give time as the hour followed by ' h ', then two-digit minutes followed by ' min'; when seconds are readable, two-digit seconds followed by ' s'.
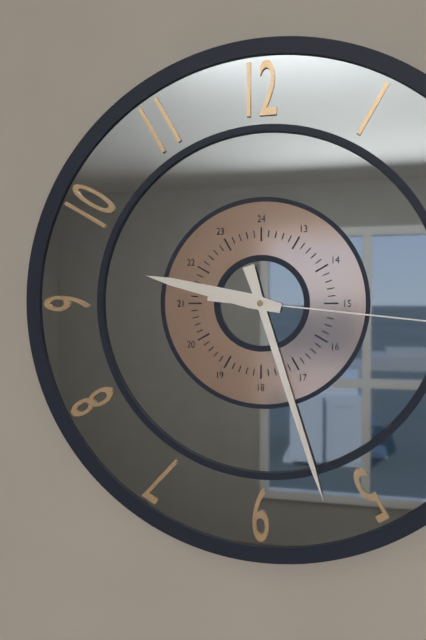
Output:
9 h 27 min
